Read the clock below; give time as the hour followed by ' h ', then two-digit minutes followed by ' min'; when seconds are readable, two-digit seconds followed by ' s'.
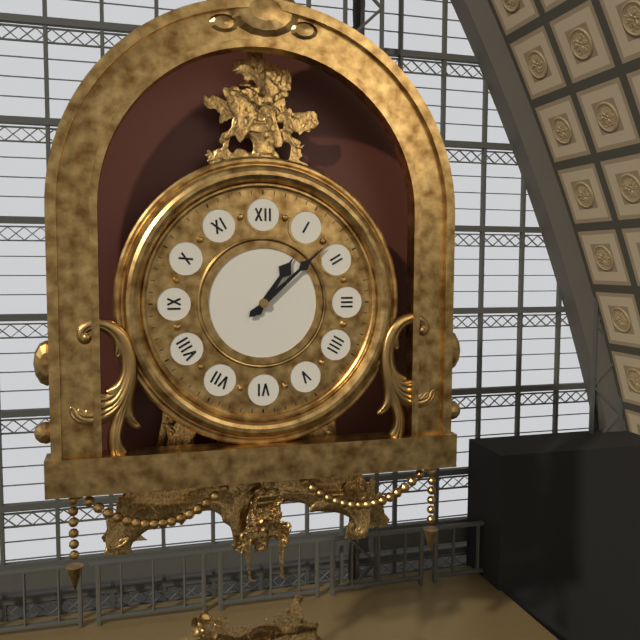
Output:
1 h 08 min
